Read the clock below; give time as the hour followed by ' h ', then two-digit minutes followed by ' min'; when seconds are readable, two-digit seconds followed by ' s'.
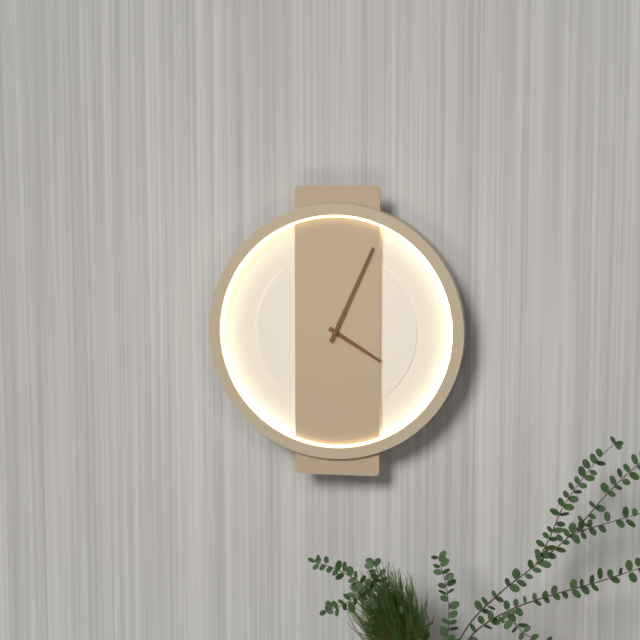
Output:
4 h 04 min
